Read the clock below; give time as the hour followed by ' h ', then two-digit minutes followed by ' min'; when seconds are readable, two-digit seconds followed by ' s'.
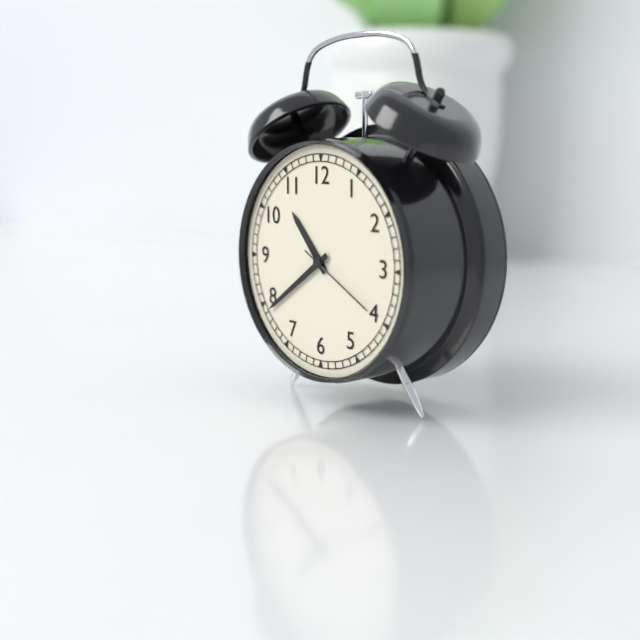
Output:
10 h 39 min 20 s
